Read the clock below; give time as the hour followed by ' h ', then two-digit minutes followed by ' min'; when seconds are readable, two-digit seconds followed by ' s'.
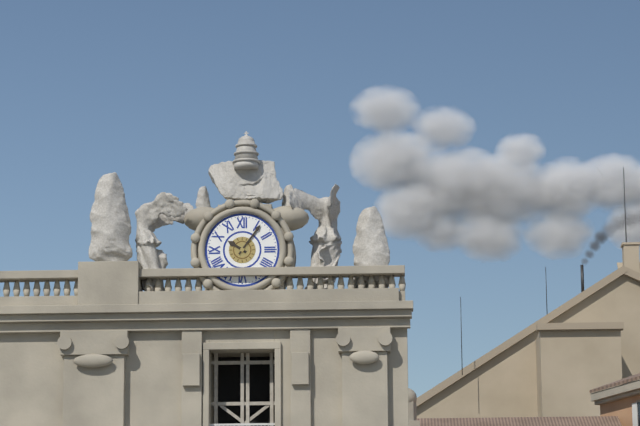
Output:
10 h 06 min
